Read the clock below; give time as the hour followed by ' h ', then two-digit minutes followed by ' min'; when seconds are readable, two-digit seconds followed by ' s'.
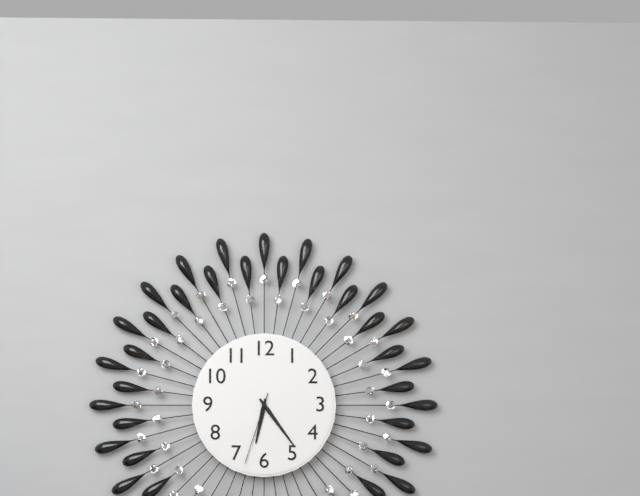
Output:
6 h 24 min 33 s
